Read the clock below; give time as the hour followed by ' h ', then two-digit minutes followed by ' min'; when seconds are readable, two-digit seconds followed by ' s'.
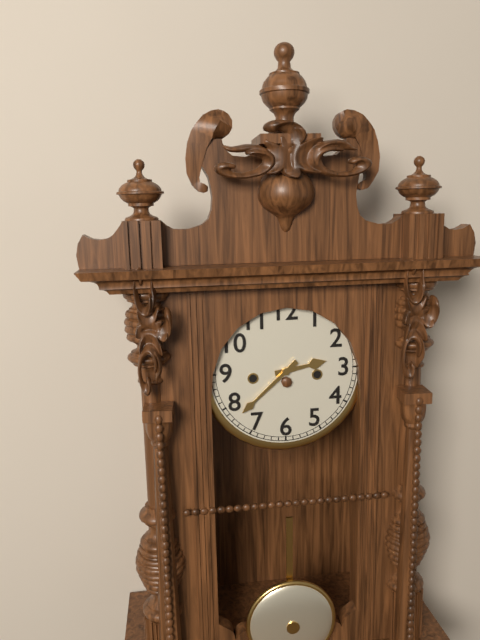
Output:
2 h 38 min
